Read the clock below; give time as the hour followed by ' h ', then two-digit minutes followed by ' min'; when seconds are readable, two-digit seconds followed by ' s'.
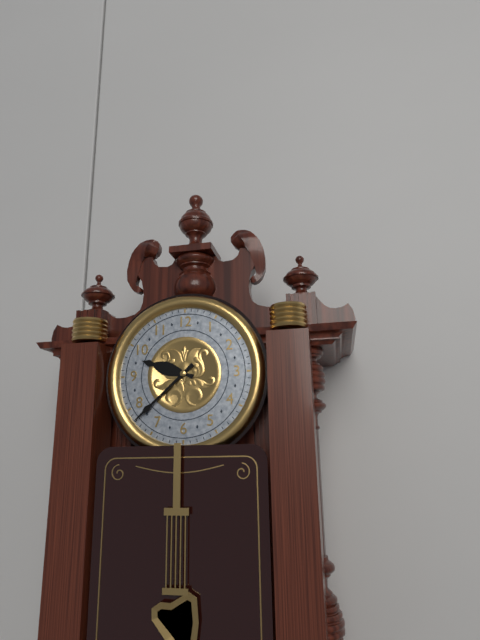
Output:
9 h 38 min
